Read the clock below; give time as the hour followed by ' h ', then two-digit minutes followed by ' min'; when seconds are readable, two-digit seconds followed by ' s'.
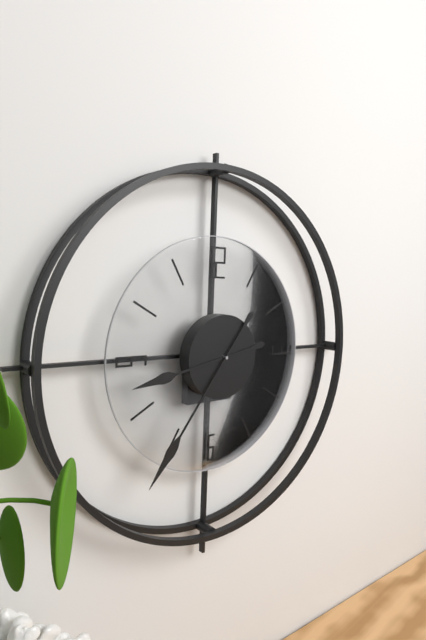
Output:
8 h 36 min
